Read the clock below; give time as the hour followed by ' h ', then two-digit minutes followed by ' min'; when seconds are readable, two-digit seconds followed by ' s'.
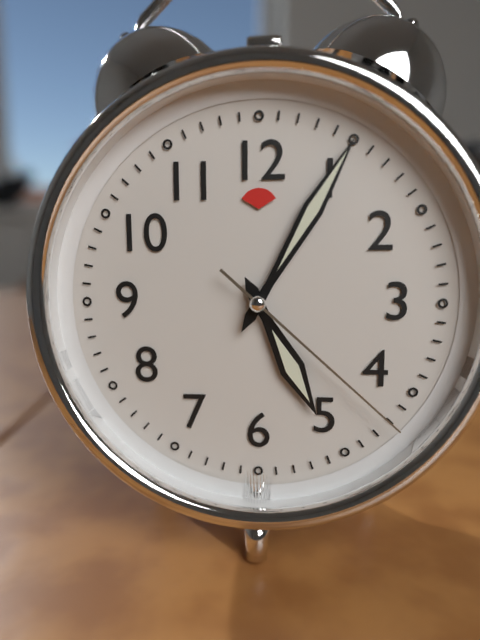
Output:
5 h 05 min 22 s
